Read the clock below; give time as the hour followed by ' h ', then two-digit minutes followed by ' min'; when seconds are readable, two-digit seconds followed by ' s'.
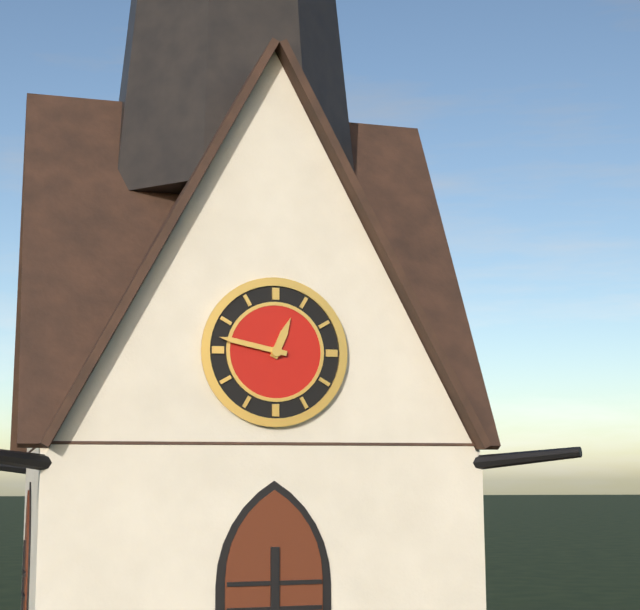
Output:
12 h 47 min
